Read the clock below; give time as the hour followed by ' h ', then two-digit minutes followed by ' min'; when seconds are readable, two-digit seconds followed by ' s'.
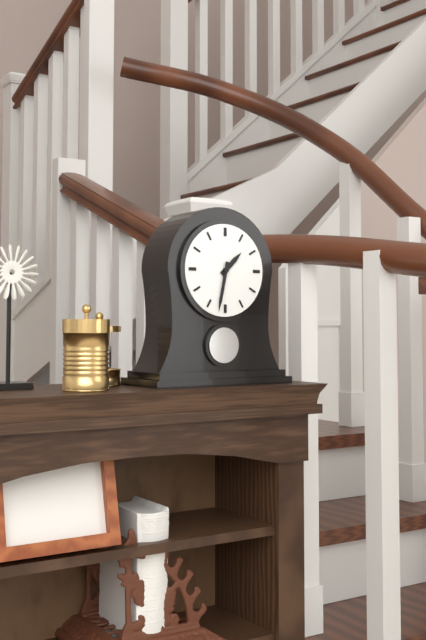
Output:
1 h 32 min
